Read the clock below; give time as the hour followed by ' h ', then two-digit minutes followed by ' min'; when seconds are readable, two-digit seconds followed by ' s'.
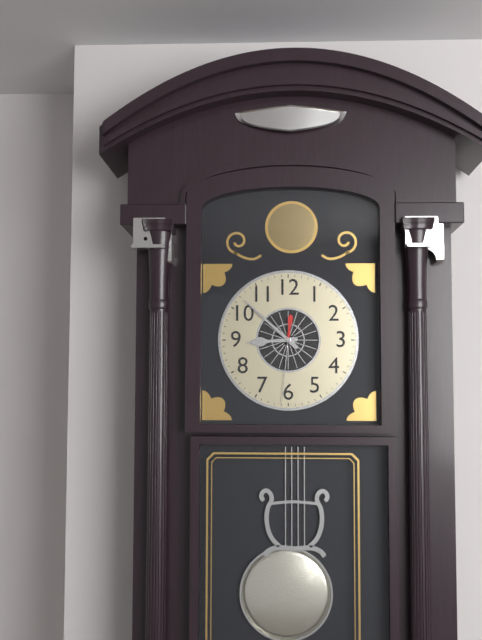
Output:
8 h 52 min 31 s
